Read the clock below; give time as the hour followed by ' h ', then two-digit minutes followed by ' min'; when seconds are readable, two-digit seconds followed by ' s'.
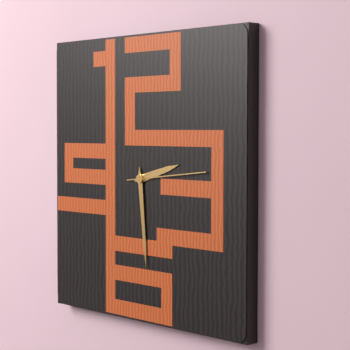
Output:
2 h 29 min 14 s
